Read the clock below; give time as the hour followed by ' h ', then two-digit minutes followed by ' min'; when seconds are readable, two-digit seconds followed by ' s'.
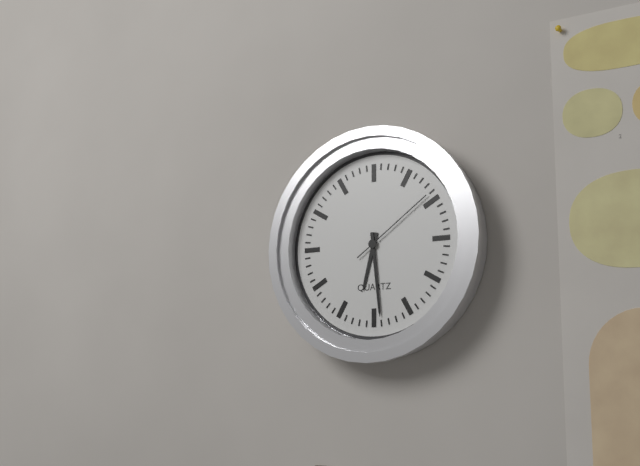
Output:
6 h 29 min 09 s
